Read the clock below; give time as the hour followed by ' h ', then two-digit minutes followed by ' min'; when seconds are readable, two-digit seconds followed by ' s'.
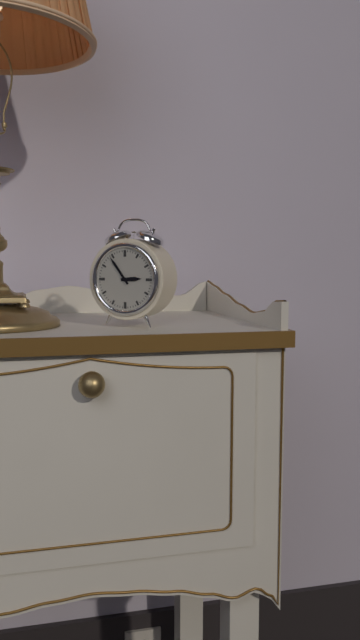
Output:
2 h 54 min
